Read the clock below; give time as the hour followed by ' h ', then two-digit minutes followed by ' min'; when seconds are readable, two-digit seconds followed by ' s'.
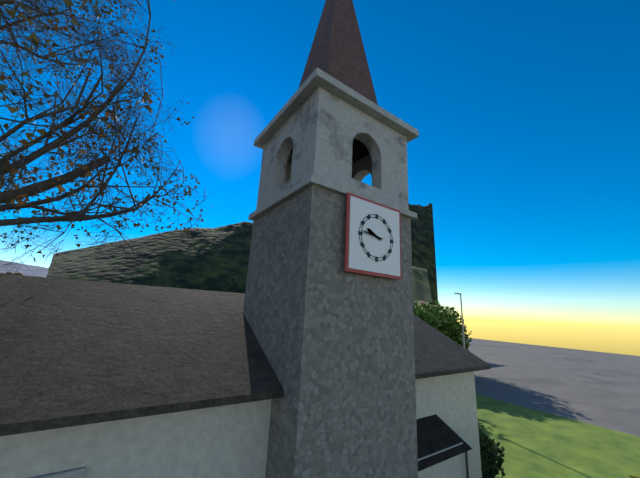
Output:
9 h 46 min
